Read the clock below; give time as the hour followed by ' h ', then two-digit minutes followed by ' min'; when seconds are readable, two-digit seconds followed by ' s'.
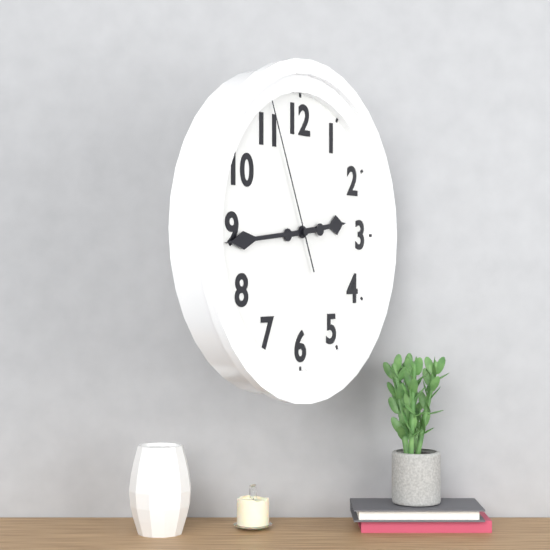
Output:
2 h 44 min 56 s
